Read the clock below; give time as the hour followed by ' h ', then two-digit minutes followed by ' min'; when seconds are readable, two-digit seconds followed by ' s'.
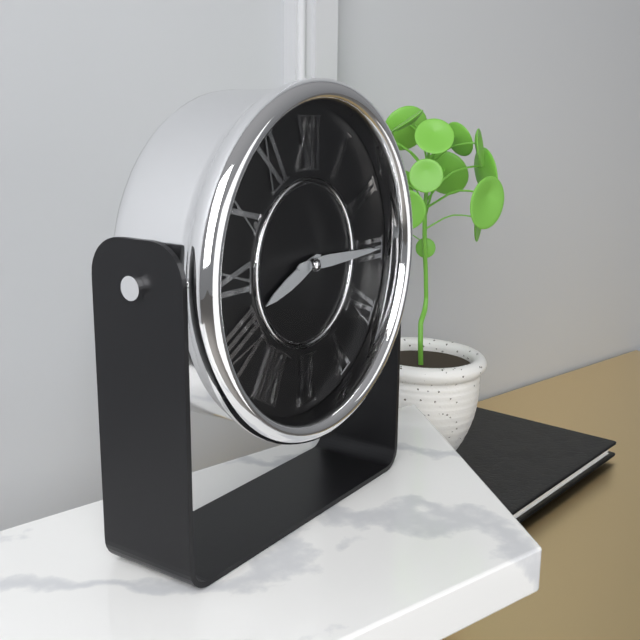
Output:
8 h 15 min
